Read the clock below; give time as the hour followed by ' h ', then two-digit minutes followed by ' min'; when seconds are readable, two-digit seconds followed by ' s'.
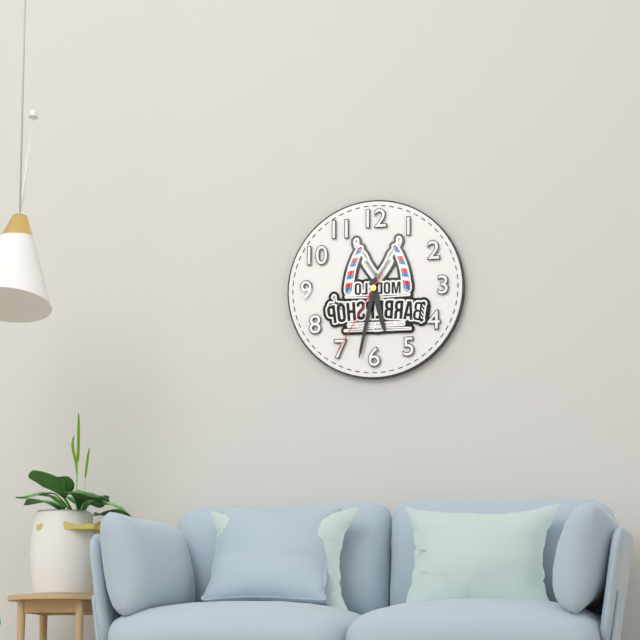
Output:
5 h 32 min 35 s
